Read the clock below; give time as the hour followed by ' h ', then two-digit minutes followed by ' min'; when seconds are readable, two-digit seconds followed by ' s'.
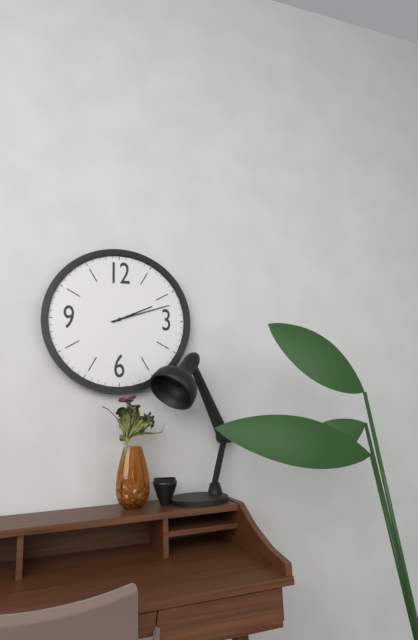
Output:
2 h 12 min
